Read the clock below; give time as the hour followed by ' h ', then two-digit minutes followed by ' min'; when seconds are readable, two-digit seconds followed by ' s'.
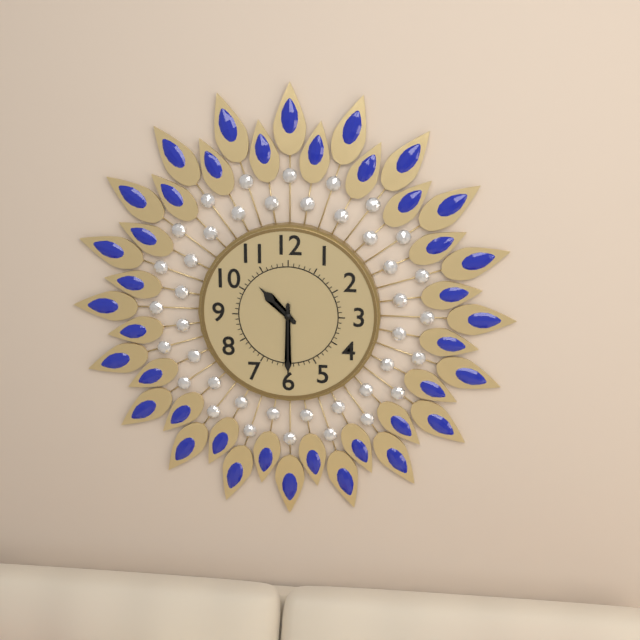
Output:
10 h 30 min
